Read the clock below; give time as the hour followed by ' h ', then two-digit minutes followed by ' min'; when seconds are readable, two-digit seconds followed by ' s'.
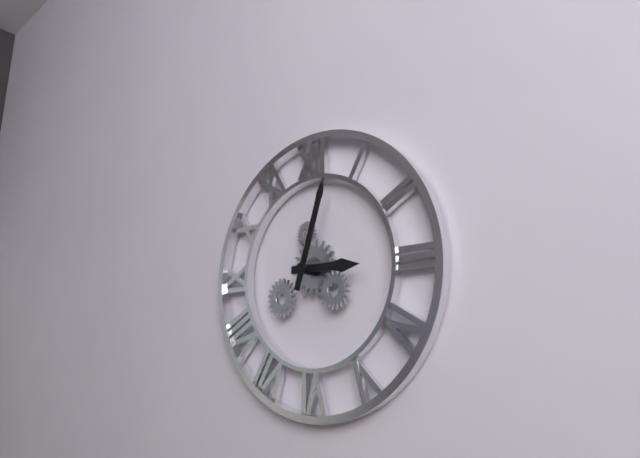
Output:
3 h 03 min
